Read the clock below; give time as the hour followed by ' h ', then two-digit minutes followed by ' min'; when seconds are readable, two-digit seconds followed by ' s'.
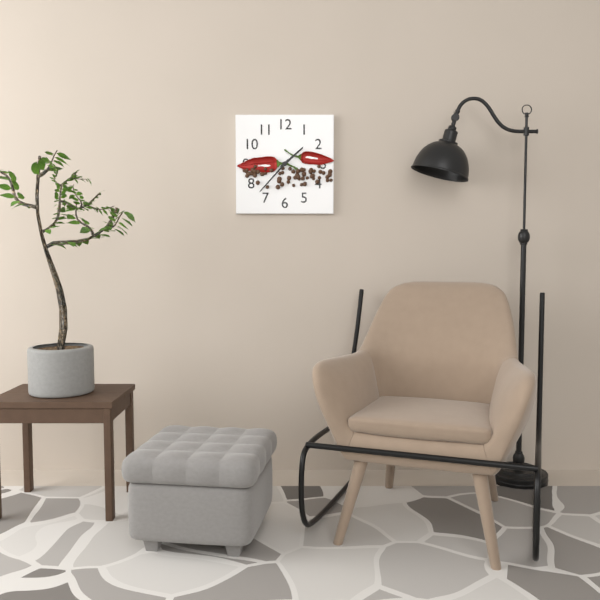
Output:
1 h 37 min
